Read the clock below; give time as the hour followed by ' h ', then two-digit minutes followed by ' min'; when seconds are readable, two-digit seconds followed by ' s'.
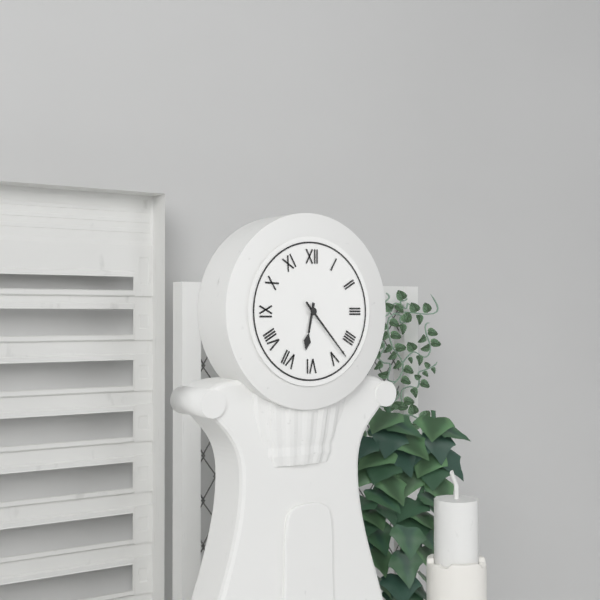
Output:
6 h 23 min
